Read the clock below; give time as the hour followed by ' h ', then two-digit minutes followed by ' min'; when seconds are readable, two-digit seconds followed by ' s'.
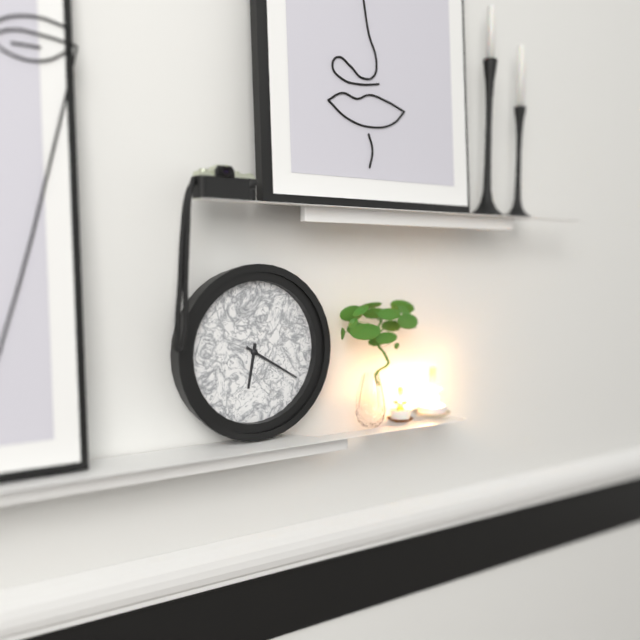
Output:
6 h 20 min
